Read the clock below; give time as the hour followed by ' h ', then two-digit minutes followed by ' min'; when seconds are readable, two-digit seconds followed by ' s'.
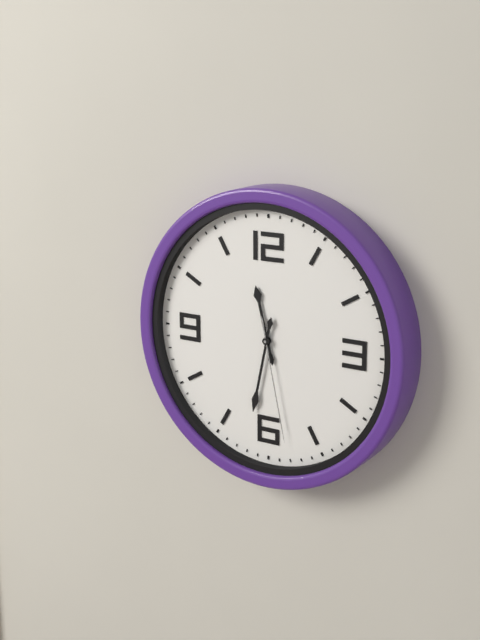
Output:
11 h 32 min 28 s
